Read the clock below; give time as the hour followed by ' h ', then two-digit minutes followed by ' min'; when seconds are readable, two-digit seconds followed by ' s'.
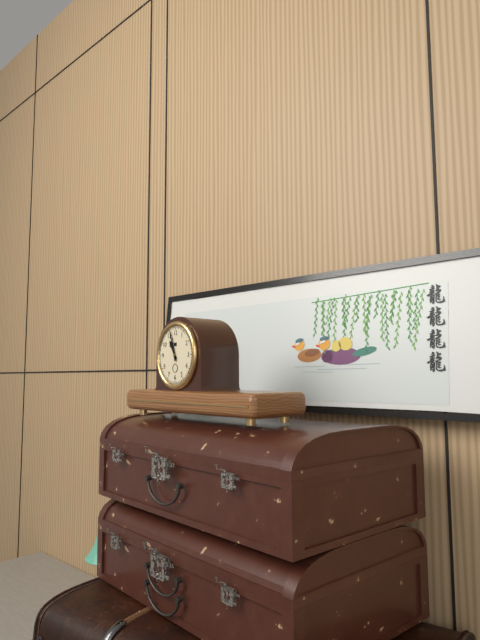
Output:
10 h 57 min
